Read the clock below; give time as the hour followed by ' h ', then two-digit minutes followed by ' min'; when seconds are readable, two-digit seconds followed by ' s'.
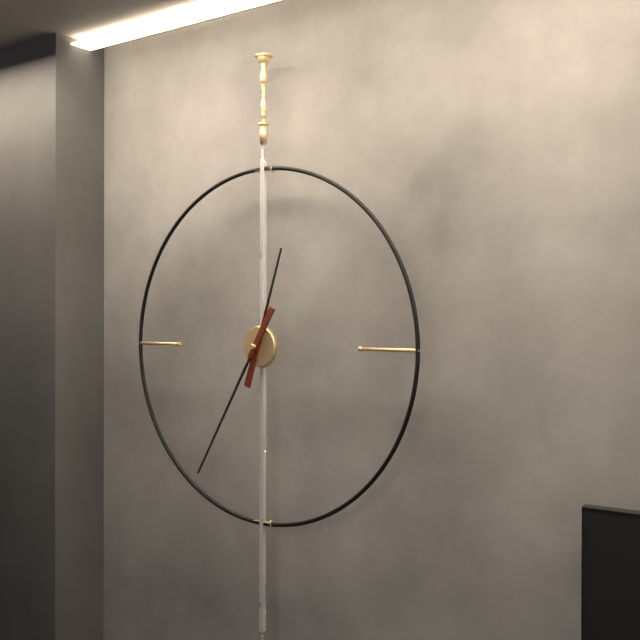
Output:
12 h 35 min
